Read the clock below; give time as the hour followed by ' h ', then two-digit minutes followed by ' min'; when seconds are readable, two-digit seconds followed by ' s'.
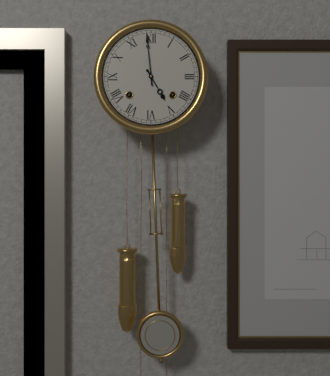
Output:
4 h 59 min
